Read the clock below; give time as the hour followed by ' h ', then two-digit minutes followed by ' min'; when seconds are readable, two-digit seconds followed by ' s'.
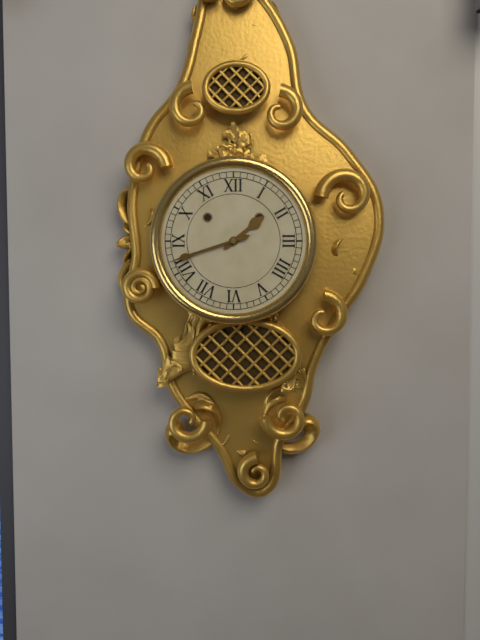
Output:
1 h 42 min
